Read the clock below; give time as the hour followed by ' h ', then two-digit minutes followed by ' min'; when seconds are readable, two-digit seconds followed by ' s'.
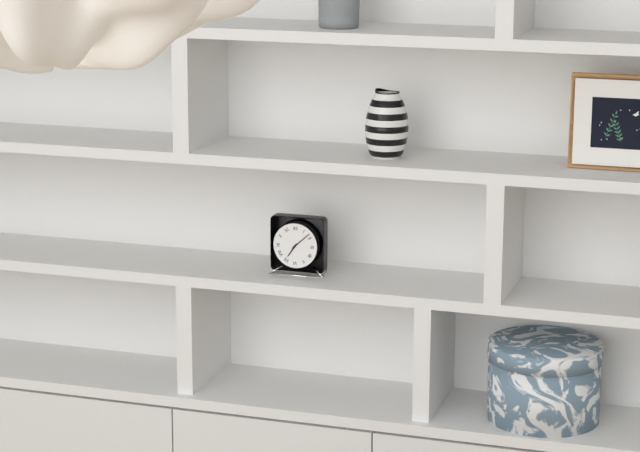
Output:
7 h 08 min
